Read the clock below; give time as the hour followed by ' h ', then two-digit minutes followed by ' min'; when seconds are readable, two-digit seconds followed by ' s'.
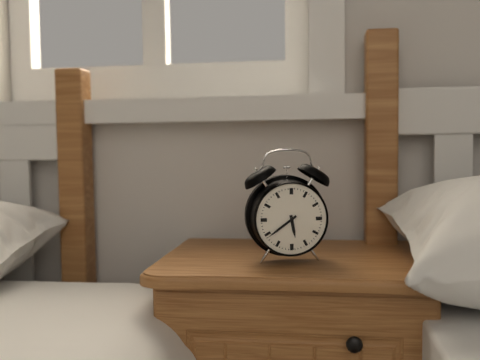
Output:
5 h 39 min
